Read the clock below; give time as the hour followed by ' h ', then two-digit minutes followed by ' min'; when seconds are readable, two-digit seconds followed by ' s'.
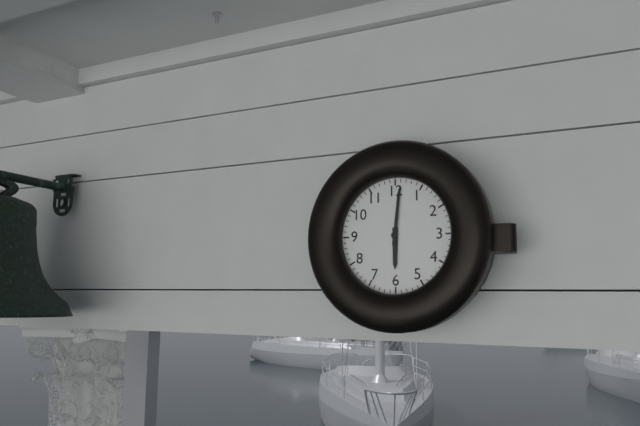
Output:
6 h 01 min
